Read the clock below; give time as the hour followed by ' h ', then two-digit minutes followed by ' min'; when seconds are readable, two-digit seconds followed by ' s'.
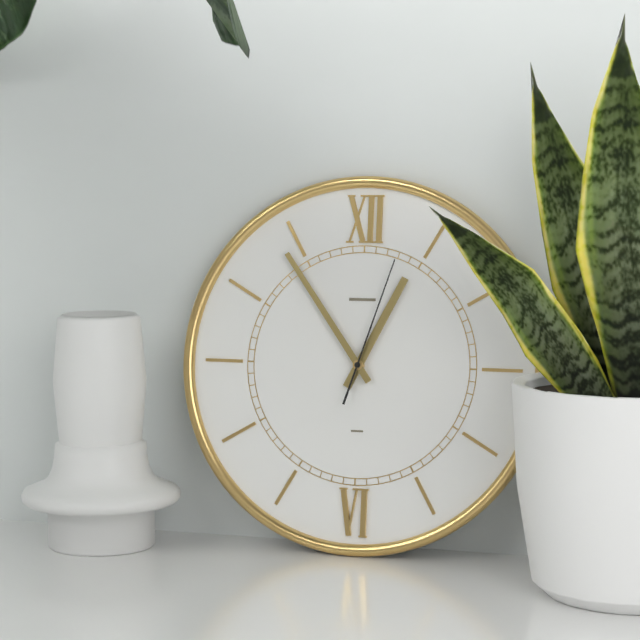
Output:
12 h 54 min 03 s
